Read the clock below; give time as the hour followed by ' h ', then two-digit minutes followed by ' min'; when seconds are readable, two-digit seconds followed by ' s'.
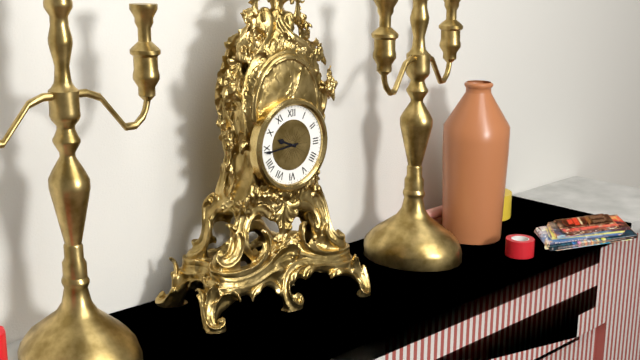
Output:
9 h 44 min
